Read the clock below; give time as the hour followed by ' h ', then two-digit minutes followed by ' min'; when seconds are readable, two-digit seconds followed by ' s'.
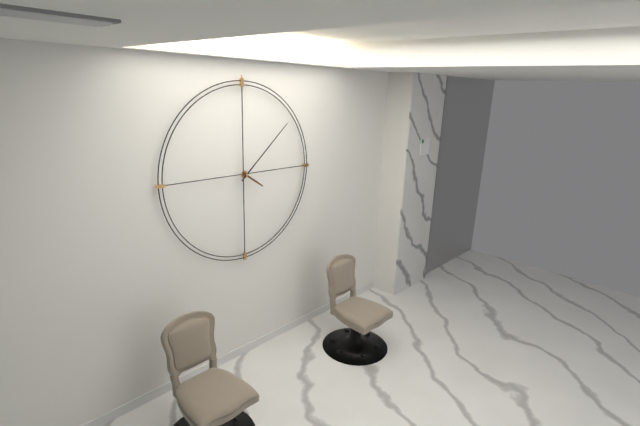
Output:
4 h 08 min
